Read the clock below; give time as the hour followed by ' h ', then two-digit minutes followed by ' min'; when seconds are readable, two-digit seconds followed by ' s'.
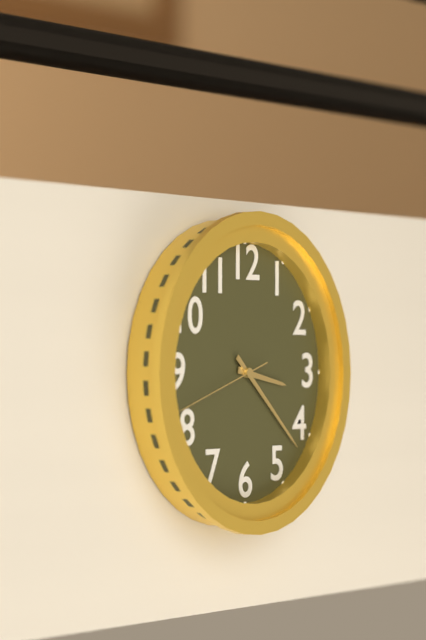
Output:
3 h 22 min 42 s
